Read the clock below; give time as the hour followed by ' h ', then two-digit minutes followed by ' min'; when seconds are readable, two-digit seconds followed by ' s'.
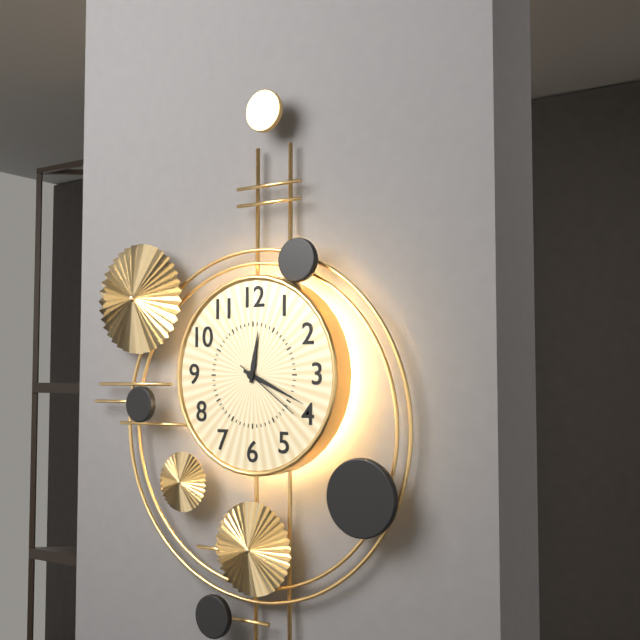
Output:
12 h 19 min 21 s
